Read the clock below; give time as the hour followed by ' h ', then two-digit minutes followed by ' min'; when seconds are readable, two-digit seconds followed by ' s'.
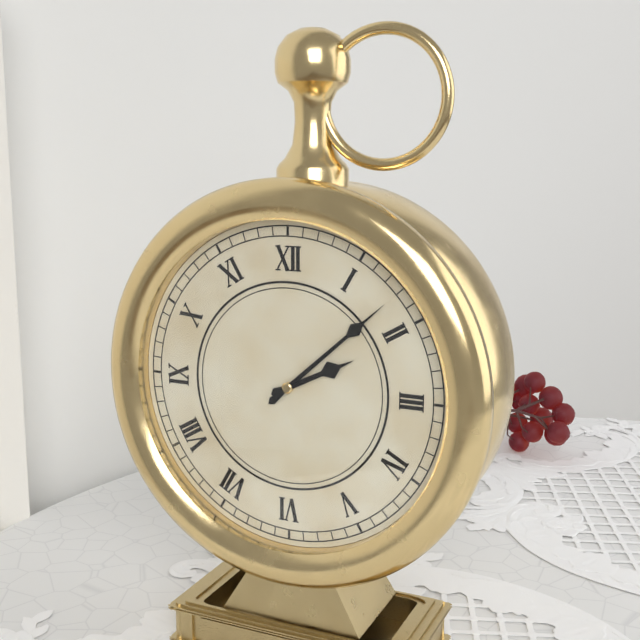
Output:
2 h 08 min
